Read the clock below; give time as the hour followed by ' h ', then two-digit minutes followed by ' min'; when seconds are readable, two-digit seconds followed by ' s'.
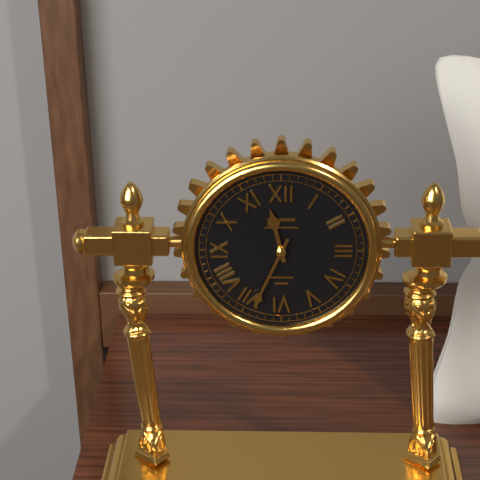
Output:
11 h 34 min
